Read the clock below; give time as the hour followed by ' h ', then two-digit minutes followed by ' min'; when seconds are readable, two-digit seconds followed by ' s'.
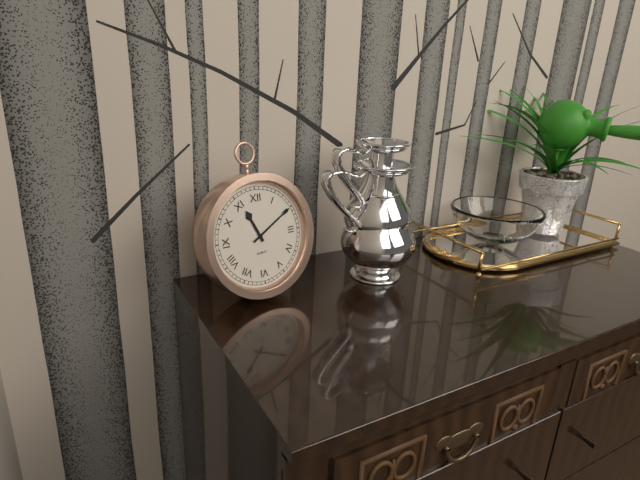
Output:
11 h 10 min
